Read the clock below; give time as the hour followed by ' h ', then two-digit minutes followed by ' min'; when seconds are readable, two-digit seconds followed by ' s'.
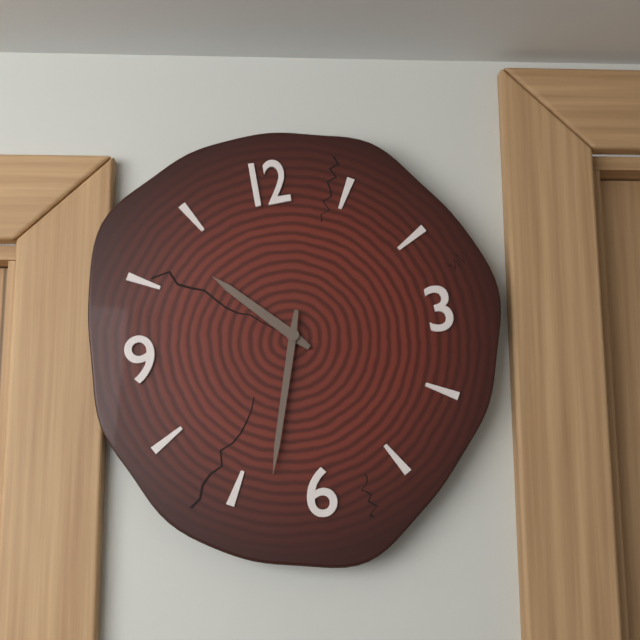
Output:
10 h 33 min
